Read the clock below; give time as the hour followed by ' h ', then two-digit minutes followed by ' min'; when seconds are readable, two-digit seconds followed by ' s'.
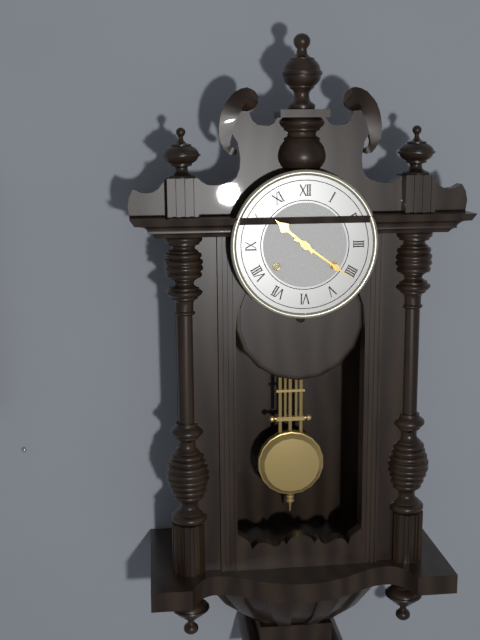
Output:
10 h 21 min
